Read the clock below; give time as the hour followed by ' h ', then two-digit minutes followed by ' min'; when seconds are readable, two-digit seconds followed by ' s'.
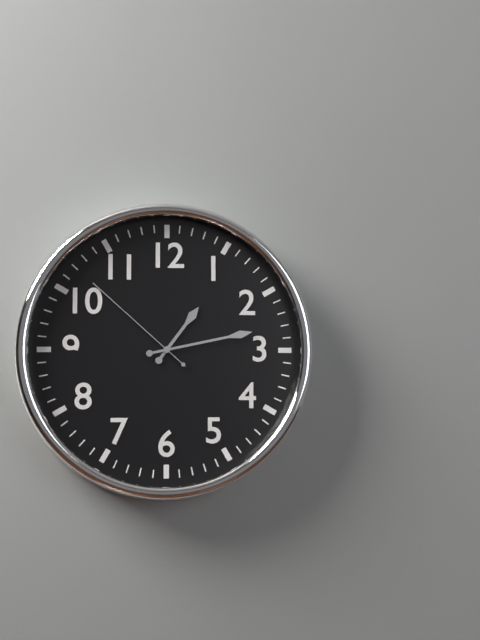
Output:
1 h 13 min 52 s
